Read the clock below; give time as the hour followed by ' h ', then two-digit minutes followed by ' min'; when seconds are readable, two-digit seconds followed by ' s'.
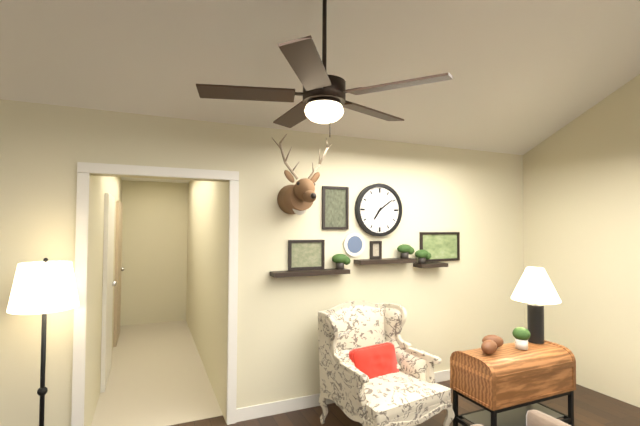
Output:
7 h 09 min
